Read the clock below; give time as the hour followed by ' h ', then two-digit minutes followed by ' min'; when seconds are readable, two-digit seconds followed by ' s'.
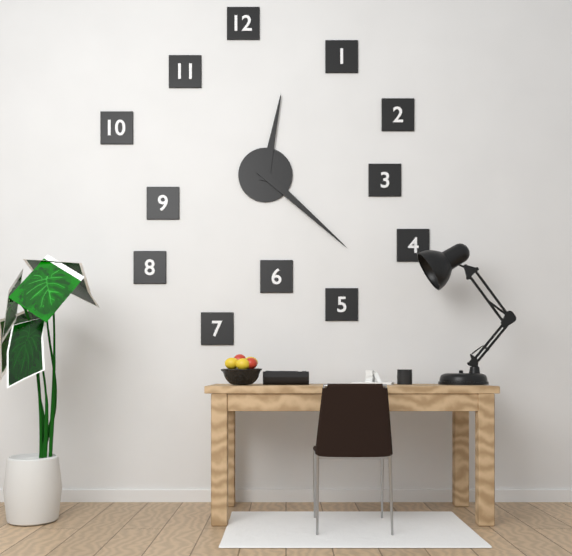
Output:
12 h 22 min
